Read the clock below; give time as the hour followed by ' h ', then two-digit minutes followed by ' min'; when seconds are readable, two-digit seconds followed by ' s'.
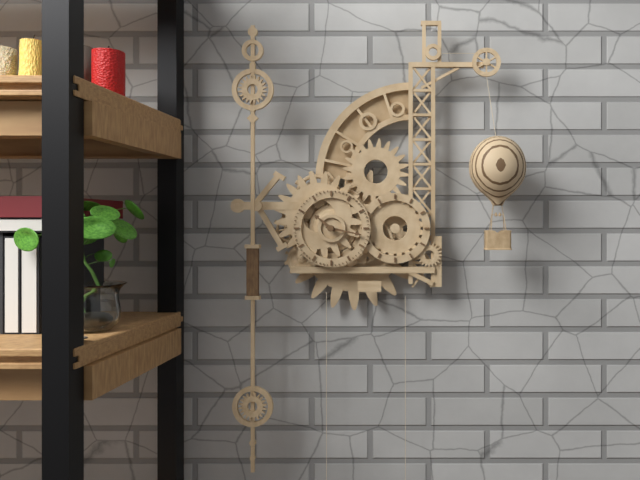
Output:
10 h 17 min
